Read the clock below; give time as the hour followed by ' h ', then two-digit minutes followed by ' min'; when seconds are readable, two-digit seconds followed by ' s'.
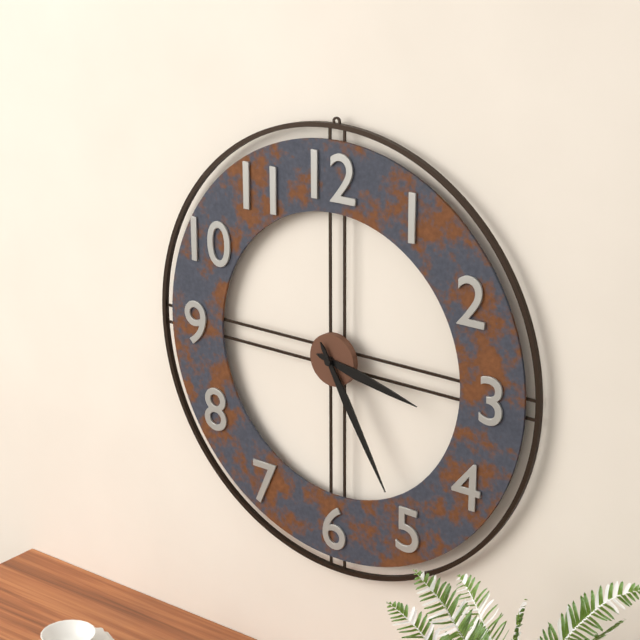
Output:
3 h 25 min
